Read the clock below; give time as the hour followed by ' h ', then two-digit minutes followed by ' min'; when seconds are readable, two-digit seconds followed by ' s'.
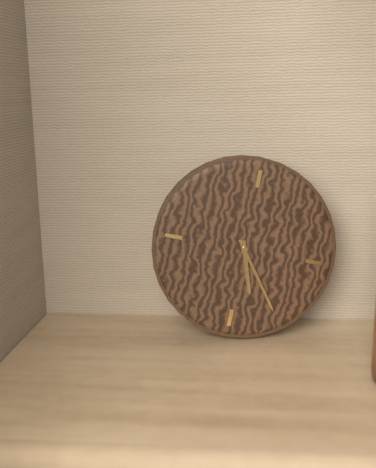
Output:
5 h 24 min
